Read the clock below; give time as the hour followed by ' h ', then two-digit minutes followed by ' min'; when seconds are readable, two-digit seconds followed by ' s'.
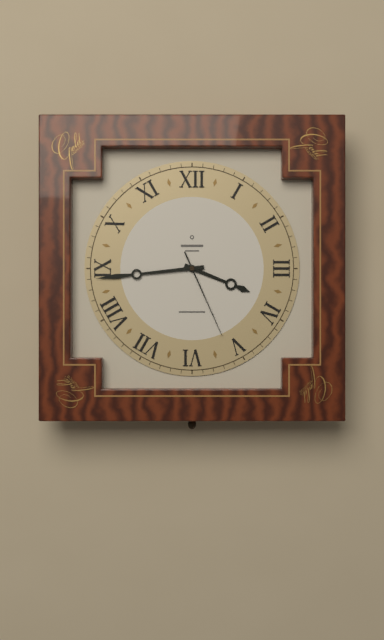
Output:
3 h 44 min 26 s
